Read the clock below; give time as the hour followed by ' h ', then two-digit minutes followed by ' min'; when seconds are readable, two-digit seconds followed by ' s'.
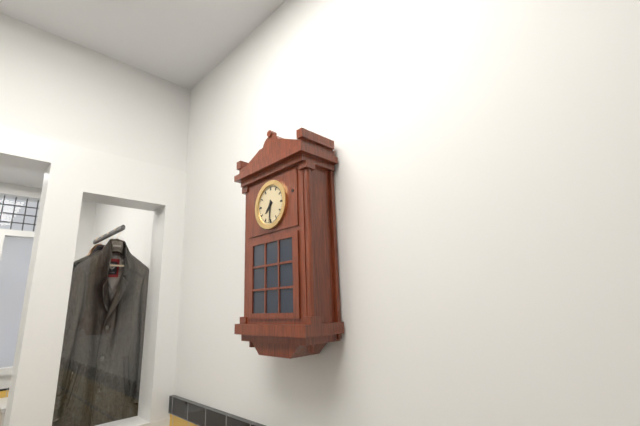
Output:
7 h 31 min
